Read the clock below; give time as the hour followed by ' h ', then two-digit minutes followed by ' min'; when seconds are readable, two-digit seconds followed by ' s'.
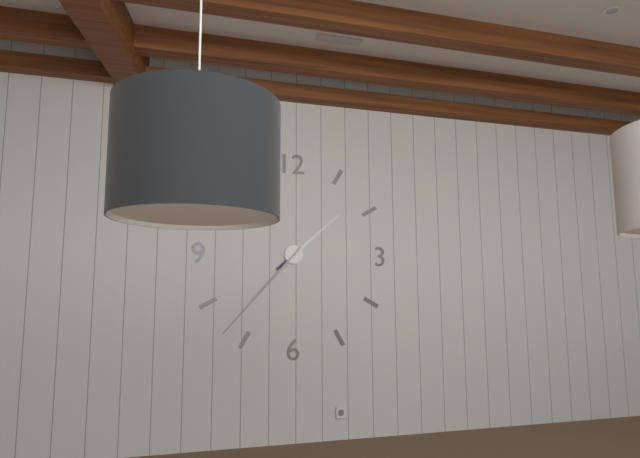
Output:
1 h 37 min
